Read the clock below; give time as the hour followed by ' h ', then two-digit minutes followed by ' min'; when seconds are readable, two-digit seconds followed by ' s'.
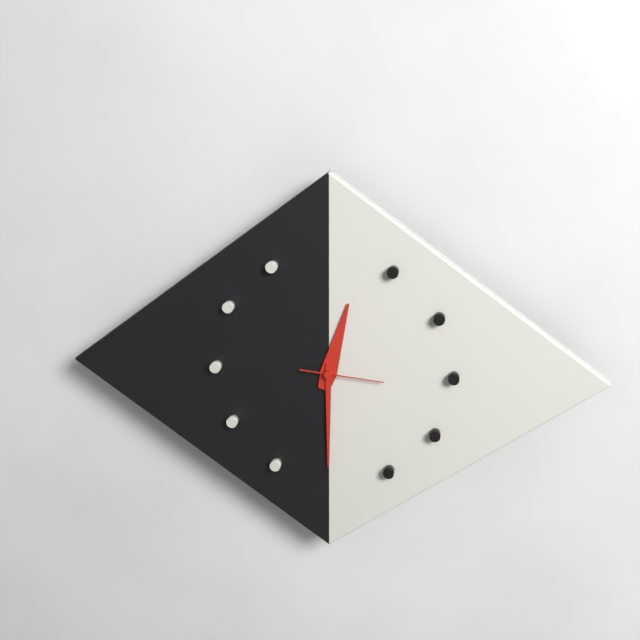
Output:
12 h 30 min 16 s
